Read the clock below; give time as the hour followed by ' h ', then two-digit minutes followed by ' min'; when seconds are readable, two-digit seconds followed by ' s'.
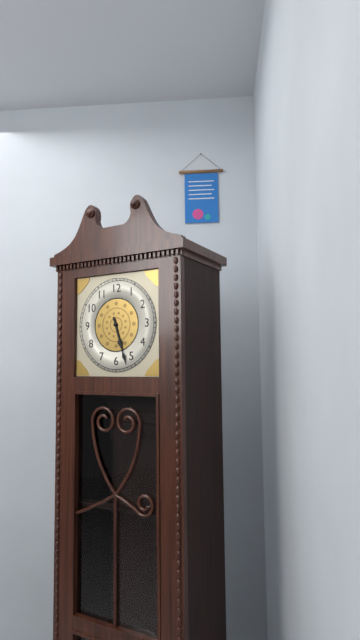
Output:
5 h 27 min
